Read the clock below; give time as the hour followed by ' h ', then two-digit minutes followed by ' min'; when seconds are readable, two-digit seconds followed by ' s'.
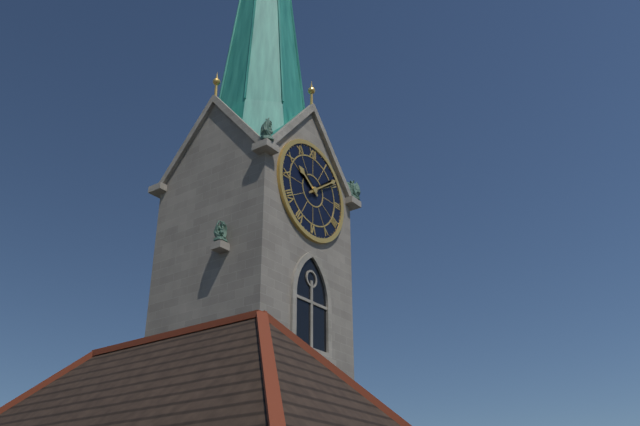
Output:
10 h 09 min
